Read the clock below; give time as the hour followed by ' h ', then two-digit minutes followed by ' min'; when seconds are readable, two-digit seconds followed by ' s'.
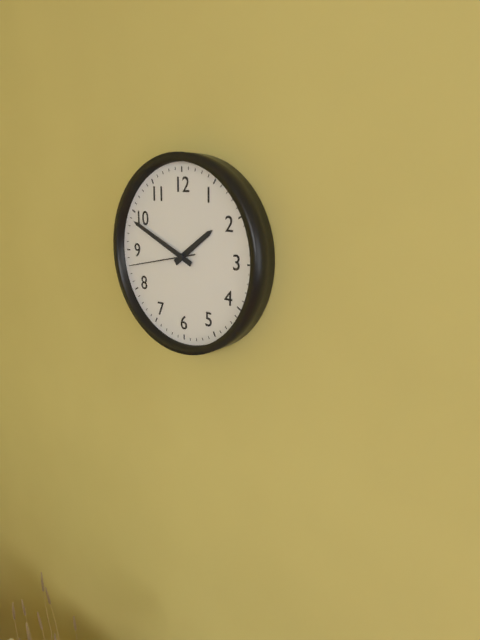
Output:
1 h 49 min 43 s
